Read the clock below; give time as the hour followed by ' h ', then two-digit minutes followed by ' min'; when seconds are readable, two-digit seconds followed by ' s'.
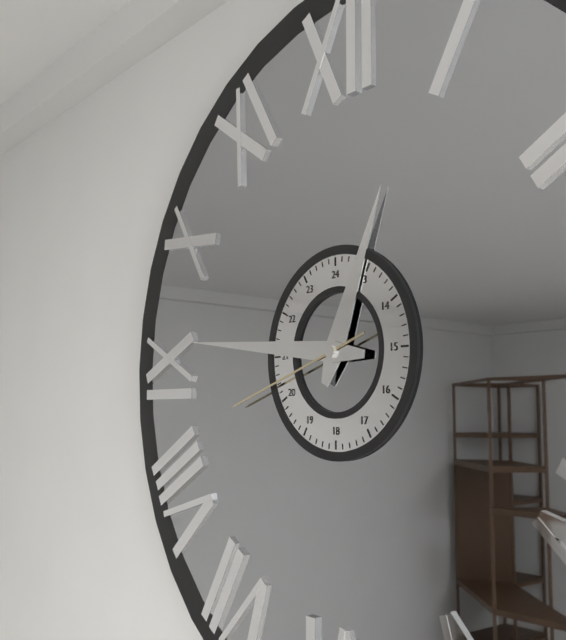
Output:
12 h 46 min 42 s
